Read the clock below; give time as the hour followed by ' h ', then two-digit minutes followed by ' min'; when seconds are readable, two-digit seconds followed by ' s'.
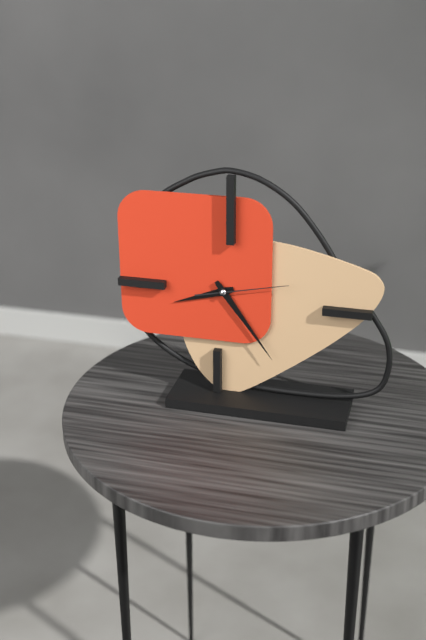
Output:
8 h 24 min 13 s
